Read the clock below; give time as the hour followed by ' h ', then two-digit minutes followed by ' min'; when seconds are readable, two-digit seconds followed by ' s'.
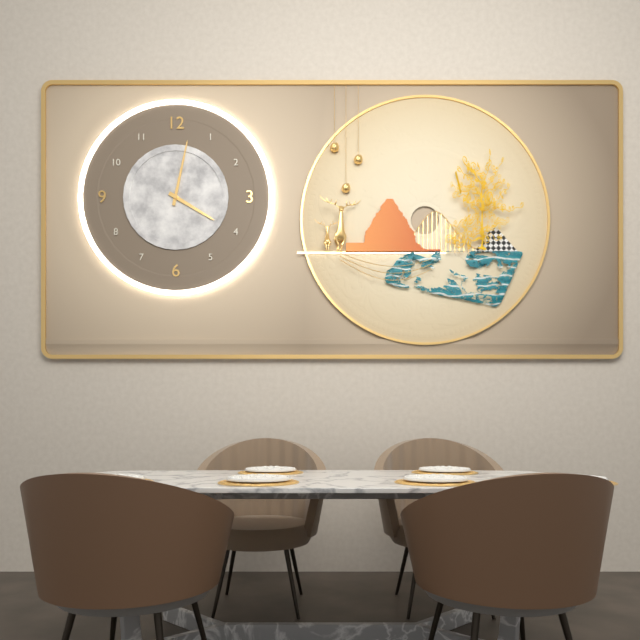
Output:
4 h 02 min
